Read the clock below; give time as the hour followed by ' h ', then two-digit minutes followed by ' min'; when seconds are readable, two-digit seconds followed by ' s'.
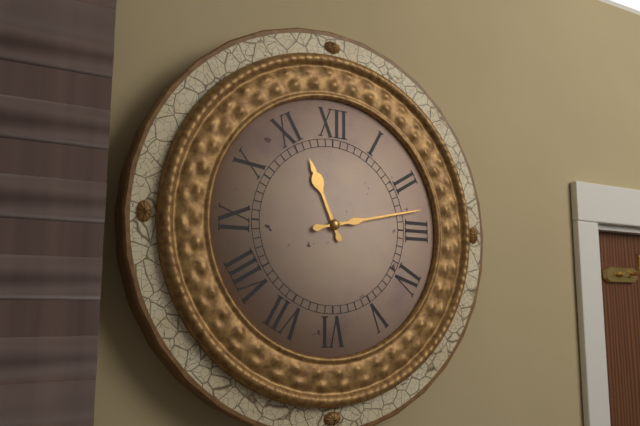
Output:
11 h 13 min
